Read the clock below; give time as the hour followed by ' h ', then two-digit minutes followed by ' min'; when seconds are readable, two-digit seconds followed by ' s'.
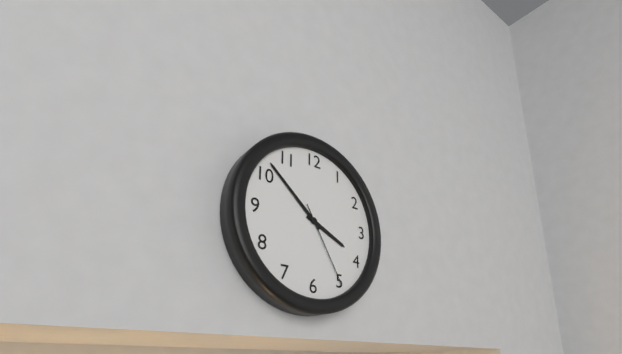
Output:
3 h 52 min 25 s
